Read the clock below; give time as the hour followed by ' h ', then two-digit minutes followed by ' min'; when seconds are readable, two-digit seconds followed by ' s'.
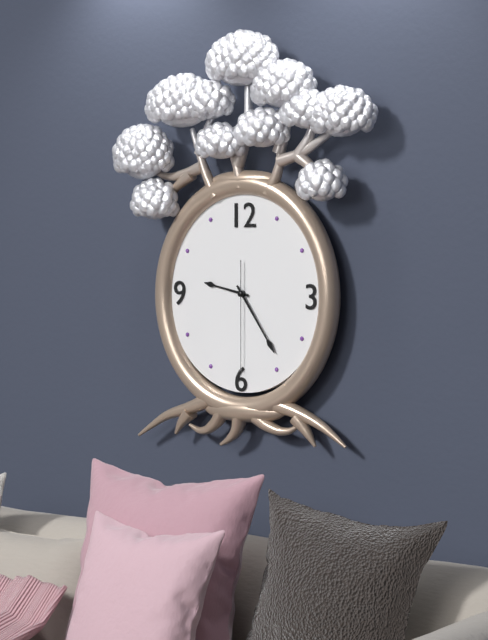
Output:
9 h 24 min 30 s
